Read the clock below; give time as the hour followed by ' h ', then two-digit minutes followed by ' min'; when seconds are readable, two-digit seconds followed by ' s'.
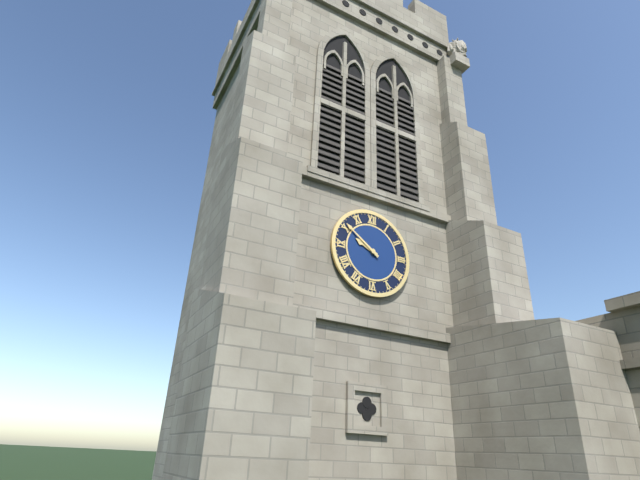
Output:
9 h 51 min
